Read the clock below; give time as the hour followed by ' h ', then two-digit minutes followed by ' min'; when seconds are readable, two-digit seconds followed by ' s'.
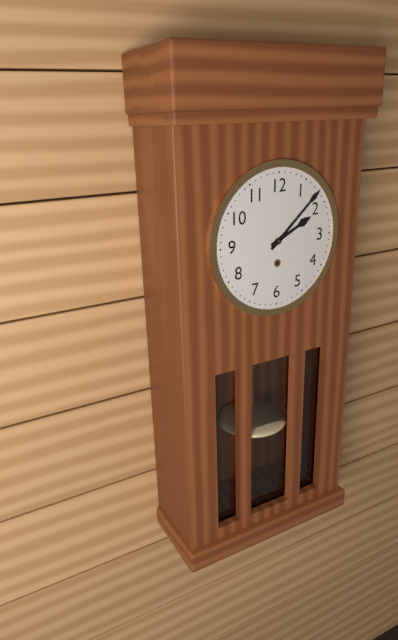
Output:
2 h 08 min
